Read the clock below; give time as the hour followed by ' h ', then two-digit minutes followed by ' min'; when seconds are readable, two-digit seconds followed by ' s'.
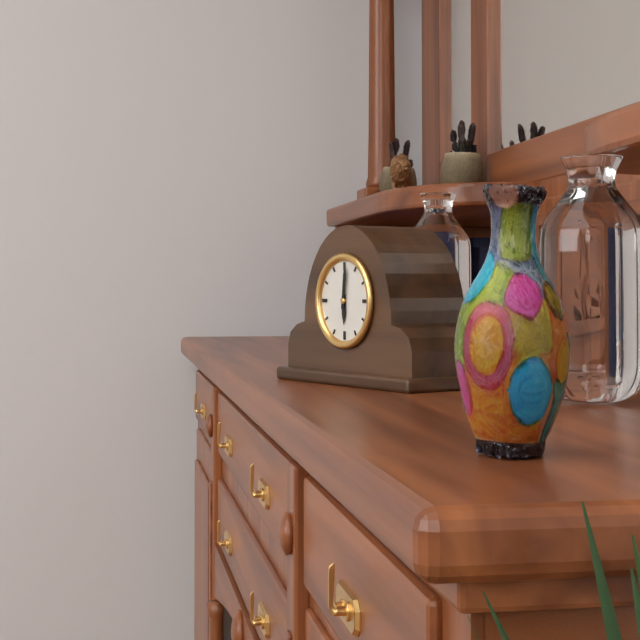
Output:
6 h 01 min
